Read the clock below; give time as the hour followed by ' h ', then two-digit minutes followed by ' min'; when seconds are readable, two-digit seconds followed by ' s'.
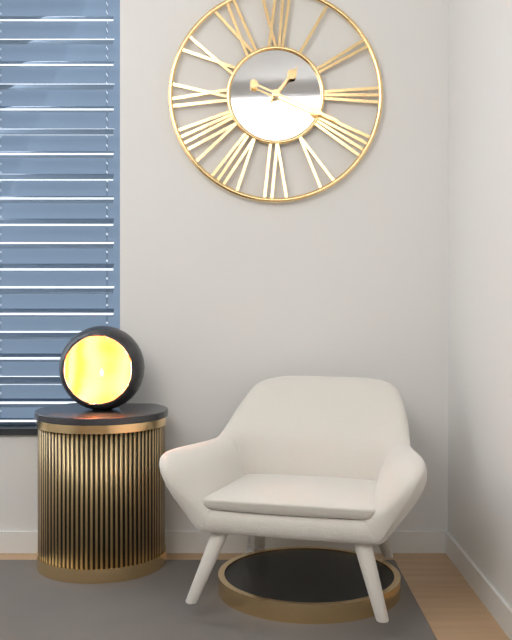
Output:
1 h 19 min
